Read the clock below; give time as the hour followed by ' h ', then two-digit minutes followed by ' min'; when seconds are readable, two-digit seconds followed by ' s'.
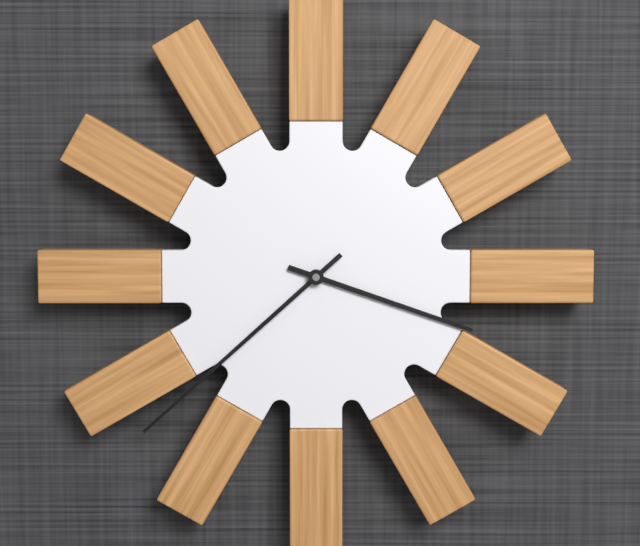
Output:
3 h 38 min
